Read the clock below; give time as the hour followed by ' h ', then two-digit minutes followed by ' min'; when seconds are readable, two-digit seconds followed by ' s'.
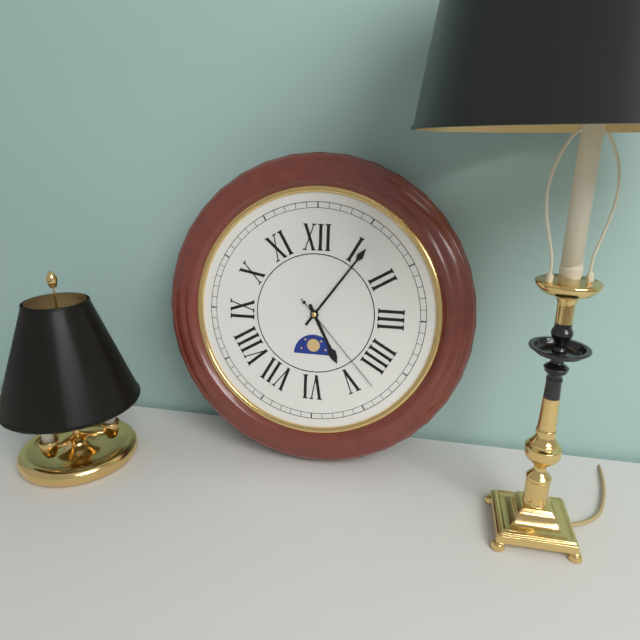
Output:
5 h 06 min 23 s
